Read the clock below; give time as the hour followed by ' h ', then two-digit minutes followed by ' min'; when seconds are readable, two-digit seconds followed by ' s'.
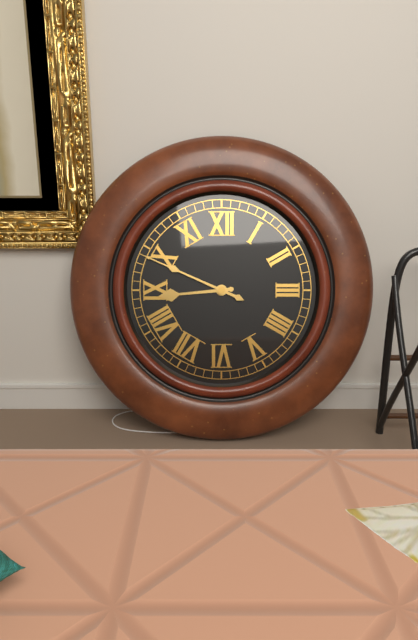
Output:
8 h 49 min
